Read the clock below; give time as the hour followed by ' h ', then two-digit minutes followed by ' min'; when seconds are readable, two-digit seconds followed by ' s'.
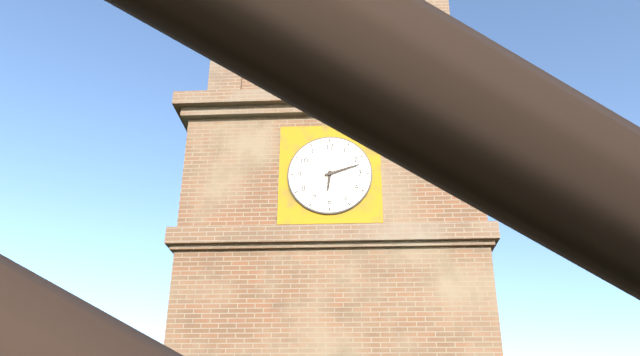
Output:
6 h 12 min
